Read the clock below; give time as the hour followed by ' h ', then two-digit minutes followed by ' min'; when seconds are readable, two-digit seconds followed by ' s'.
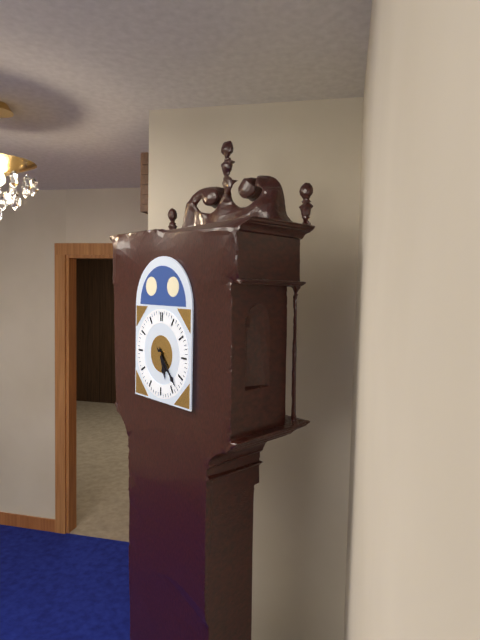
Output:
5 h 23 min
